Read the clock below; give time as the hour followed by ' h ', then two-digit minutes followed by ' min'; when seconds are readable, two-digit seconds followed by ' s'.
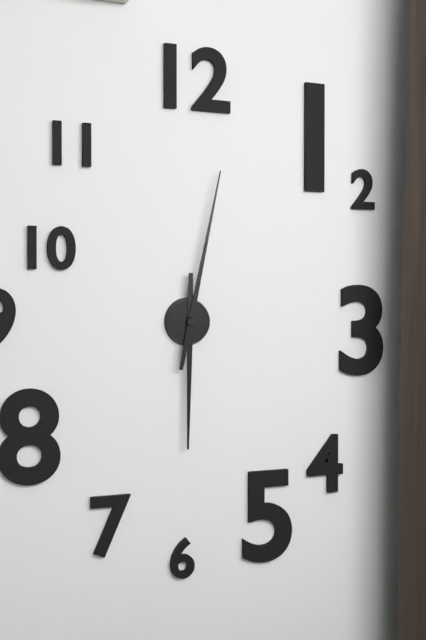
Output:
6 h 02 min
